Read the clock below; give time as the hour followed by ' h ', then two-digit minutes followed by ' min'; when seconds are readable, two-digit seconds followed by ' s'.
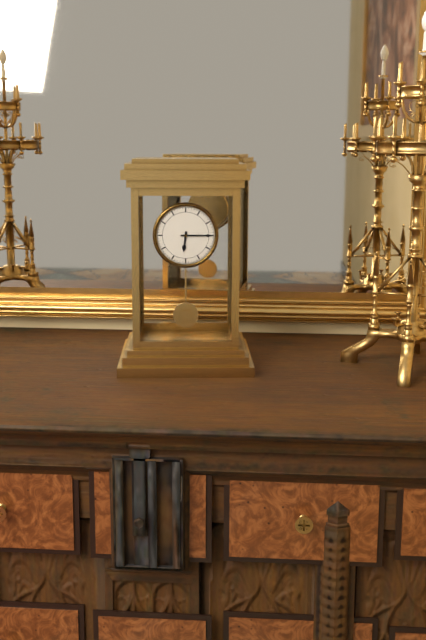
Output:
6 h 15 min
